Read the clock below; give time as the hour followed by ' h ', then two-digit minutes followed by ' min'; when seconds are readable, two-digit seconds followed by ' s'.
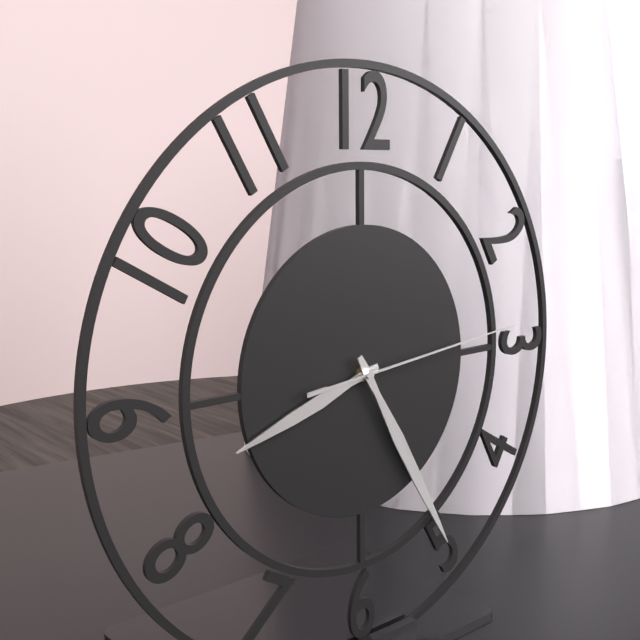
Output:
8 h 25 min 14 s
